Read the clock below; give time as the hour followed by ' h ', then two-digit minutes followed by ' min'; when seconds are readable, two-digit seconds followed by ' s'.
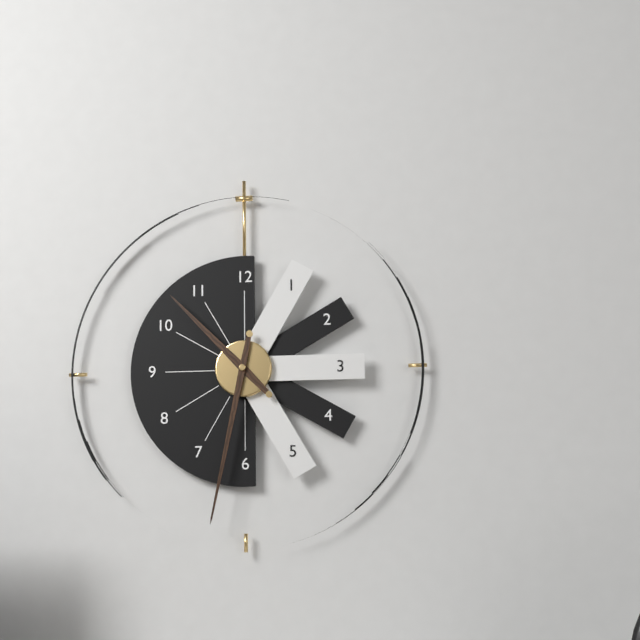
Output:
10 h 32 min
